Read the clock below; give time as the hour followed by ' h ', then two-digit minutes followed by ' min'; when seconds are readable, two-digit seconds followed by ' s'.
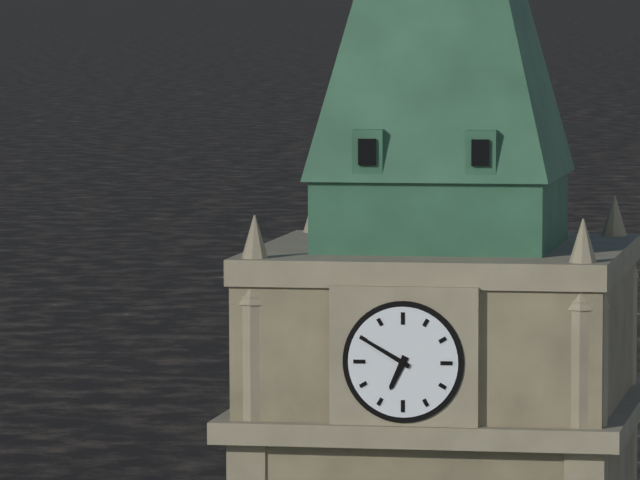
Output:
6 h 50 min
